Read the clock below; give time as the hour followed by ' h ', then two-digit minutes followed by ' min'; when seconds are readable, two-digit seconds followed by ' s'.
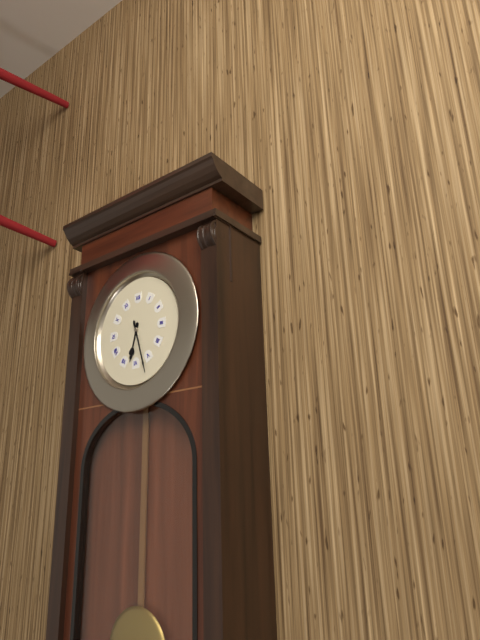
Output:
6 h 27 min
